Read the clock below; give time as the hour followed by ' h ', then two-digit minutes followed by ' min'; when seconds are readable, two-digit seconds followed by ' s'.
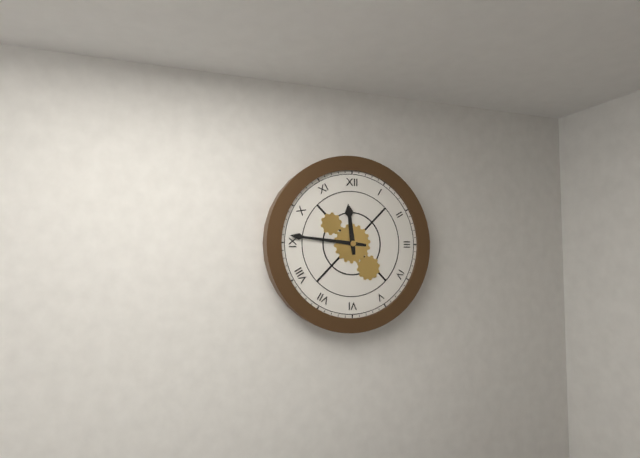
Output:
11 h 46 min
